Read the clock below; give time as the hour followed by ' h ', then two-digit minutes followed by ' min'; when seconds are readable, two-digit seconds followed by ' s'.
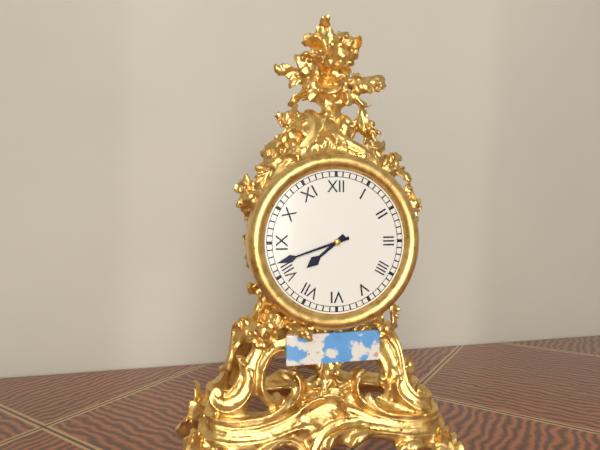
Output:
7 h 42 min
